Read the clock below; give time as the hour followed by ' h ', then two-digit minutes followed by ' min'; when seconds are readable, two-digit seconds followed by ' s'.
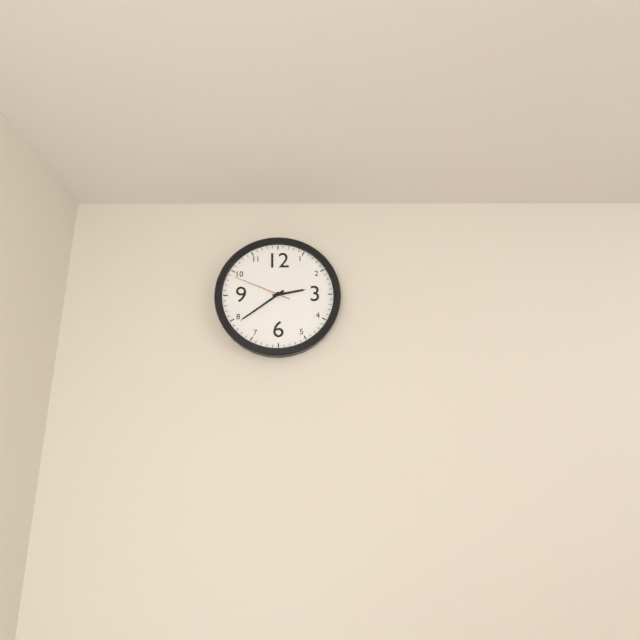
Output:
2 h 39 min 49 s
